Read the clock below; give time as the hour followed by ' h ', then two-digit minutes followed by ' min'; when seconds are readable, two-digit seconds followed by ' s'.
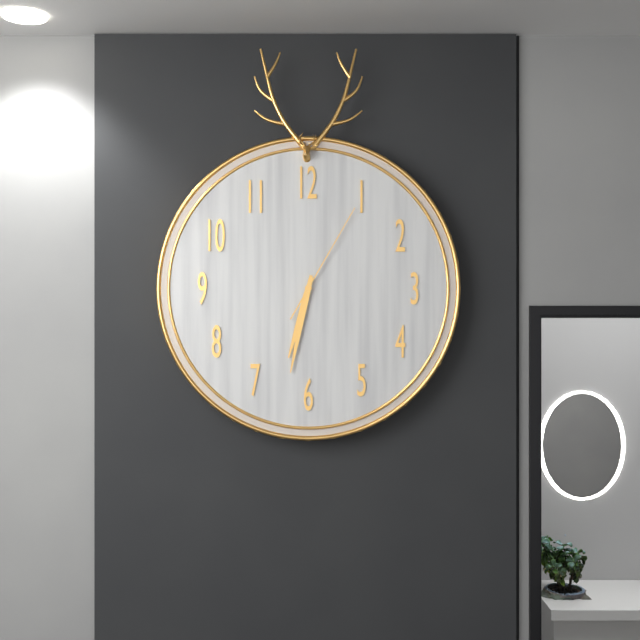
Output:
6 h 32 min 05 s
